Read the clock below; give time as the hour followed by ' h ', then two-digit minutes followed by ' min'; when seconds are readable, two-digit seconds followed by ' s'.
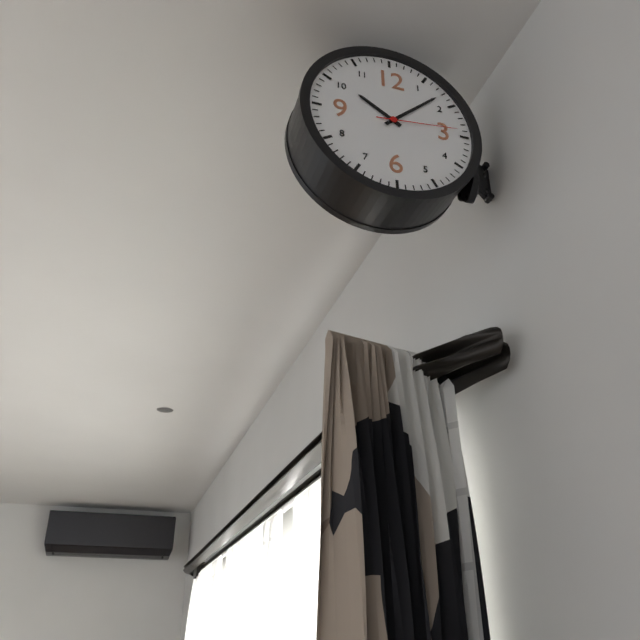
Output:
10 h 08 min 14 s
